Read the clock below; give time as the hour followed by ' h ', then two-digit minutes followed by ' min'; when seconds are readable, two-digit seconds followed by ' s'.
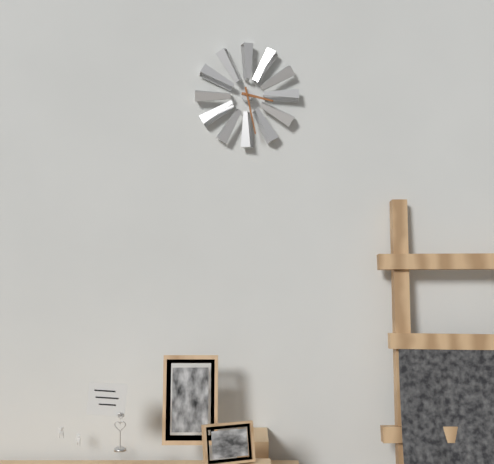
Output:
3 h 28 min
